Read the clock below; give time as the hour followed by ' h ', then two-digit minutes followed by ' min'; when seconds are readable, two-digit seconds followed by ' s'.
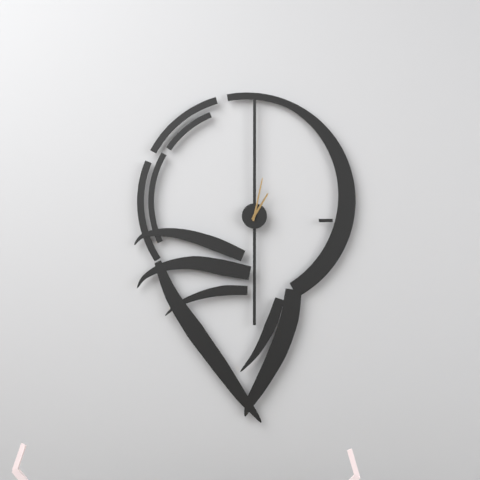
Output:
1 h 02 min
